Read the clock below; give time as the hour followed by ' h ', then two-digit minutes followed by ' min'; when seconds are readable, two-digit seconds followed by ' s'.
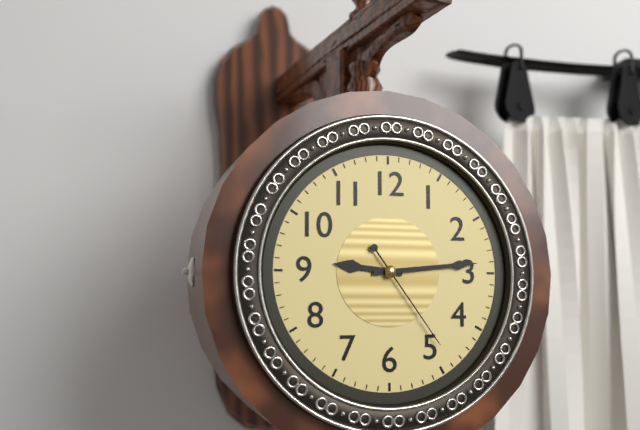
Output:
9 h 14 min 24 s
